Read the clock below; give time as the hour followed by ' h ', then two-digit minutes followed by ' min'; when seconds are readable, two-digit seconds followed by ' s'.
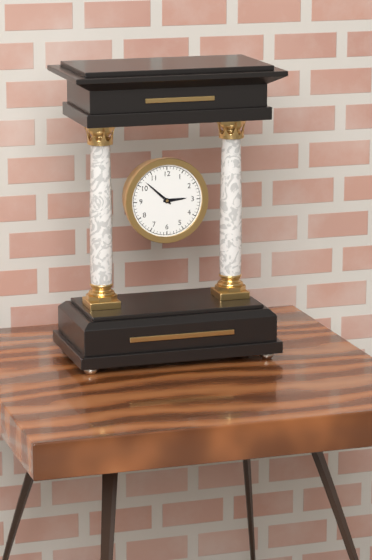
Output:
2 h 52 min
